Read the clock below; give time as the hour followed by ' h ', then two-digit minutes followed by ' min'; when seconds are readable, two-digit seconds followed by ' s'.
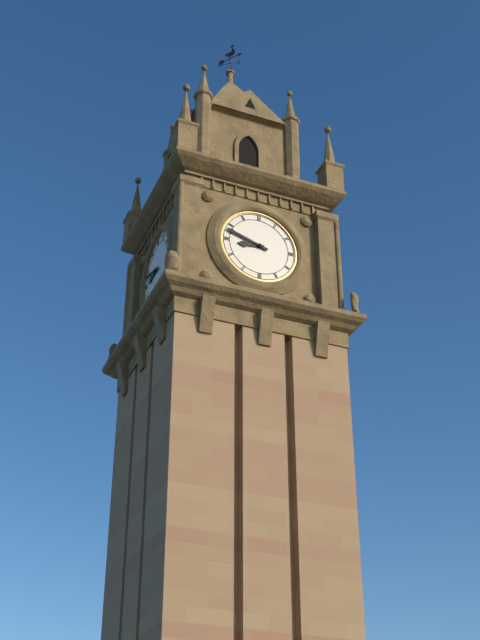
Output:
8 h 48 min
